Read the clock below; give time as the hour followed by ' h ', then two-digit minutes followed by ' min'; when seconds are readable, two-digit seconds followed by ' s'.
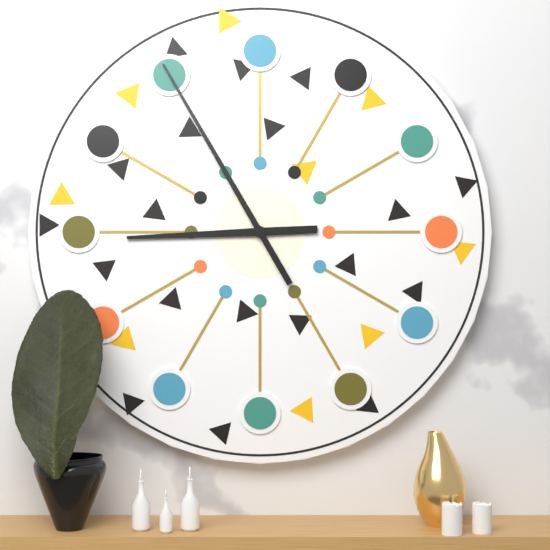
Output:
8 h 55 min
